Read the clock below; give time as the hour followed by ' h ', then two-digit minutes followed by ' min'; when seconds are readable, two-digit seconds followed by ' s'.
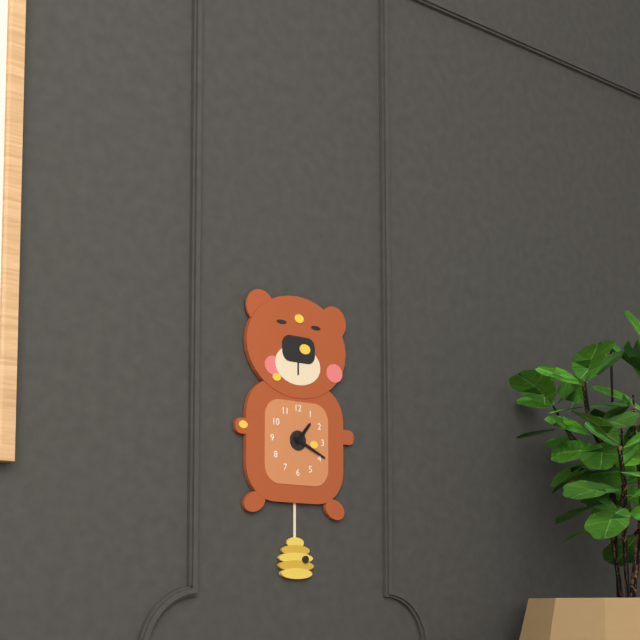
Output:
1 h 19 min
